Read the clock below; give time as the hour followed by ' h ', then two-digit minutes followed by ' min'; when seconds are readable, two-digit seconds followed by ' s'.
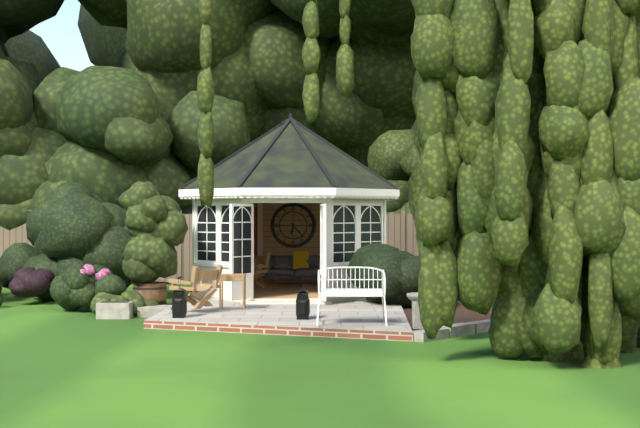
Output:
6 h 23 min
